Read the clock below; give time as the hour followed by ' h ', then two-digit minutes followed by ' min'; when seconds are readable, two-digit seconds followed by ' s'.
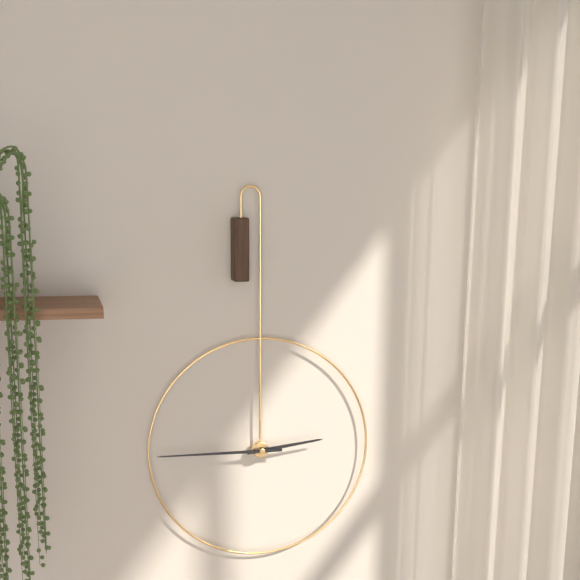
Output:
2 h 45 min
